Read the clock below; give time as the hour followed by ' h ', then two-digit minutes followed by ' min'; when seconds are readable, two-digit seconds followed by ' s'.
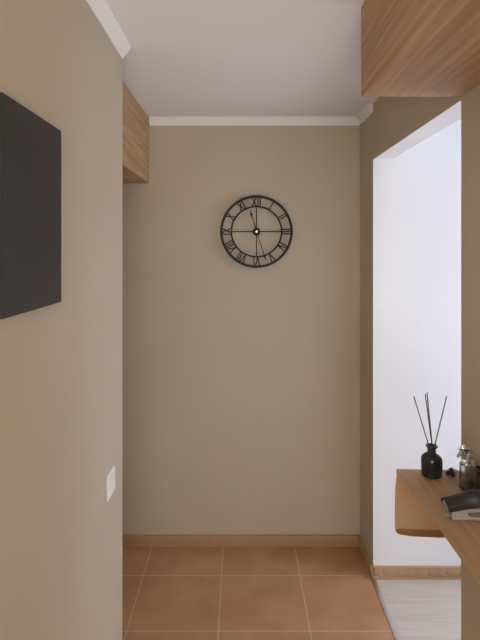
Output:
11 h 27 min
